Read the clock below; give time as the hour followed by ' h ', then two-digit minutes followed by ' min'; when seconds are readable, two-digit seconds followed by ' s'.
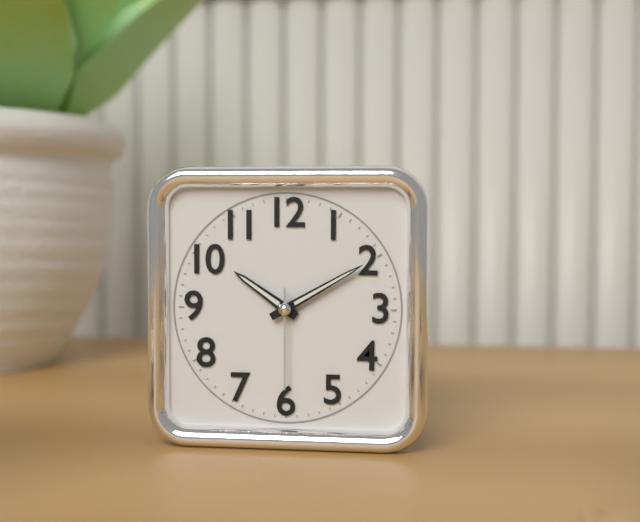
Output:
10 h 10 min 30 s
